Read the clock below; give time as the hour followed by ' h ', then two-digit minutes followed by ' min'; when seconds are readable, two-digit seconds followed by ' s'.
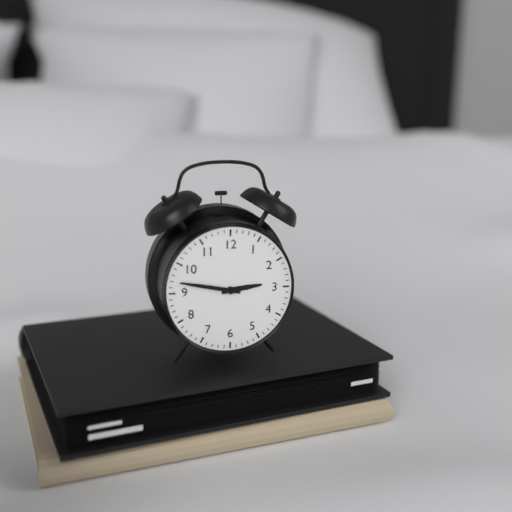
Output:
2 h 47 min
